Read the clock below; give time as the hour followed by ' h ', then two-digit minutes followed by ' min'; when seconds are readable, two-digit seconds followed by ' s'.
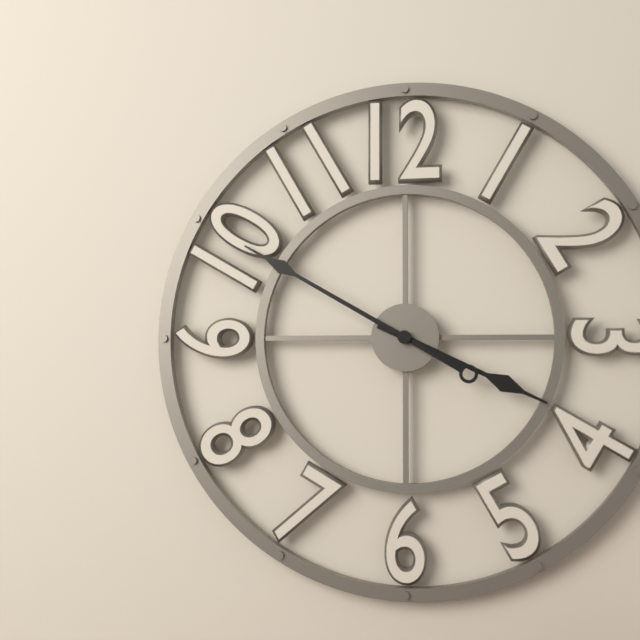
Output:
3 h 50 min
